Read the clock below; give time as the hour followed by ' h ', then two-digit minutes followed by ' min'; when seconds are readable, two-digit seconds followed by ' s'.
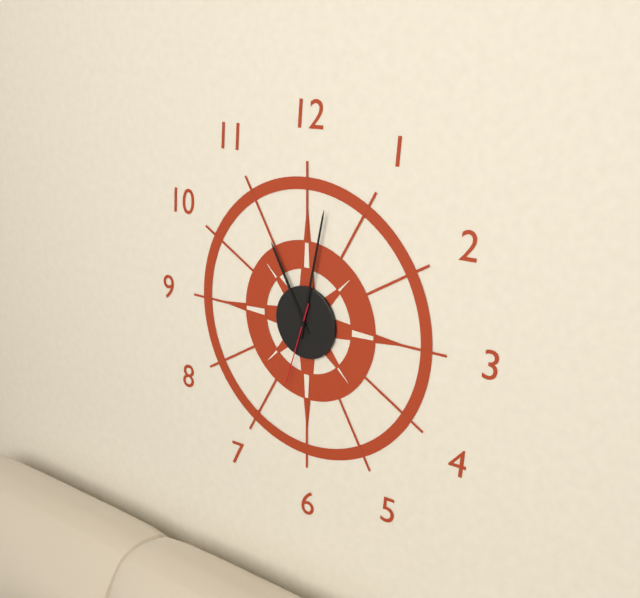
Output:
11 h 02 min 33 s
